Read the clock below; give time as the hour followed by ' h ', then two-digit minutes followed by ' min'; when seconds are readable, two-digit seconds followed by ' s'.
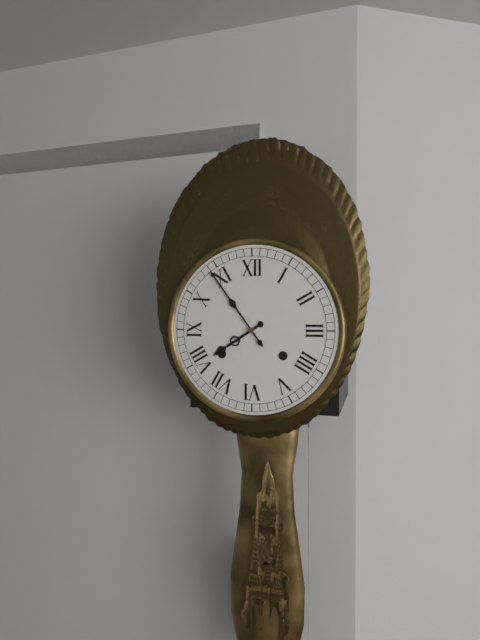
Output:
7 h 54 min
